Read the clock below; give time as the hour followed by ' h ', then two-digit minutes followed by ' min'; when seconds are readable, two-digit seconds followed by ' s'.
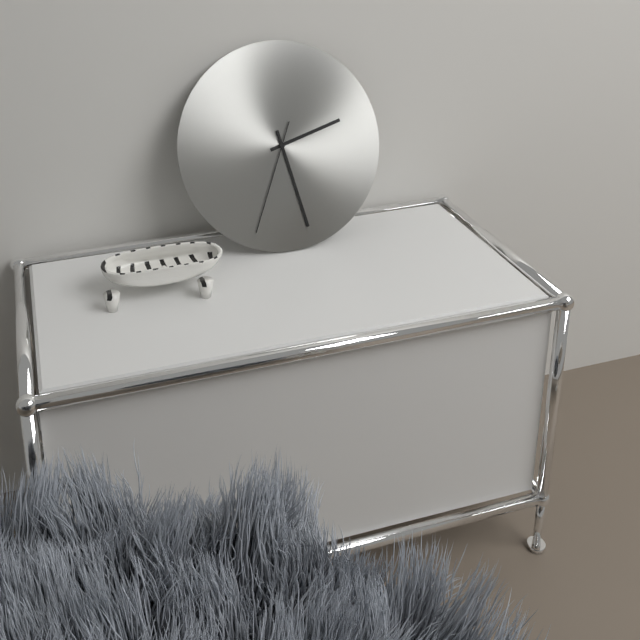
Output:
2 h 28 min 34 s
